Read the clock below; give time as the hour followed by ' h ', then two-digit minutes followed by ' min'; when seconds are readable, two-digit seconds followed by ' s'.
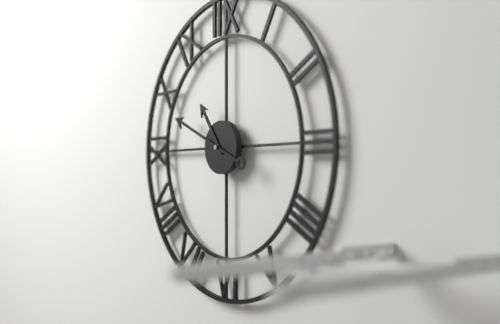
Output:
10 h 49 min
